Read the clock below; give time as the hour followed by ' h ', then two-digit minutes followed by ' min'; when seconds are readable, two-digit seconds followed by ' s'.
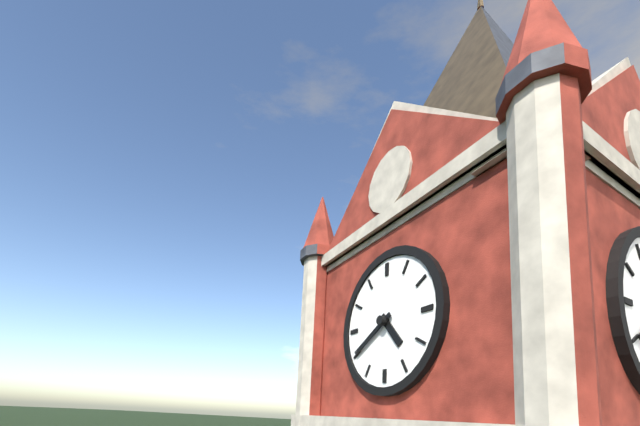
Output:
4 h 40 min
